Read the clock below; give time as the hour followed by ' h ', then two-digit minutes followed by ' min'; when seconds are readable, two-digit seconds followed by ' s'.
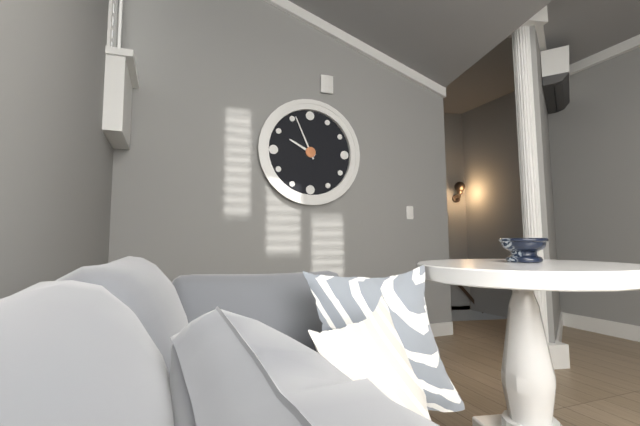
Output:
9 h 56 min
